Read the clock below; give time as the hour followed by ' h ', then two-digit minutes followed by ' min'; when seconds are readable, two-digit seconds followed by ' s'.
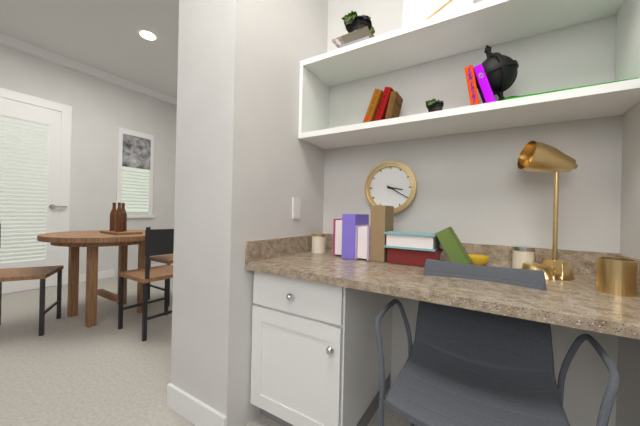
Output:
3 h 20 min
